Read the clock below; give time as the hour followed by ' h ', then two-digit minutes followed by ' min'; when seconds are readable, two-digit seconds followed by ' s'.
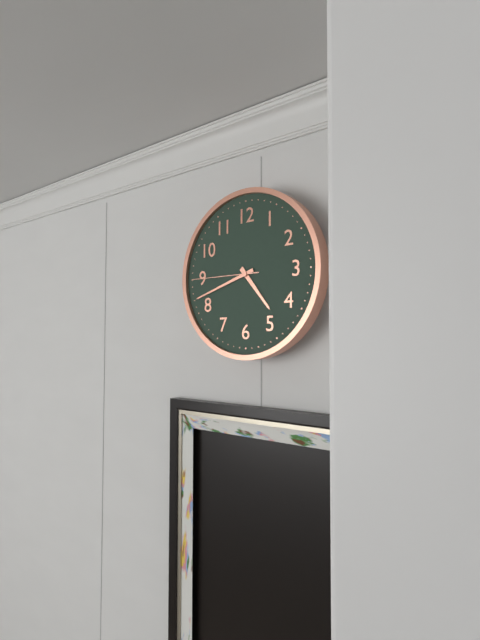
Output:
4 h 42 min 45 s
